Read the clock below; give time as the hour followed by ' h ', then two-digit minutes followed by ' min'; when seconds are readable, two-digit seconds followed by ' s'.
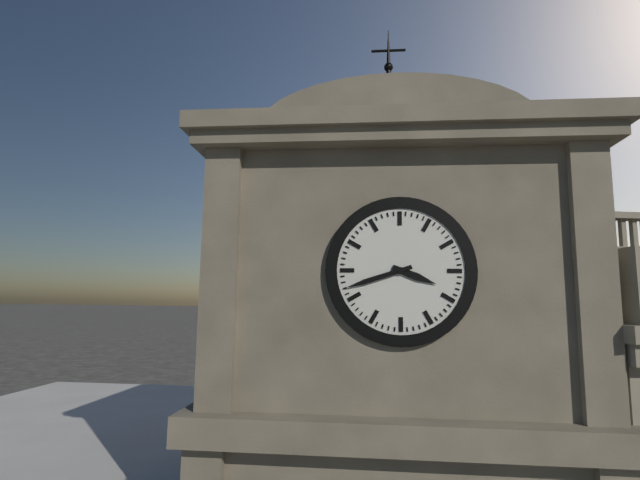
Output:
3 h 42 min
